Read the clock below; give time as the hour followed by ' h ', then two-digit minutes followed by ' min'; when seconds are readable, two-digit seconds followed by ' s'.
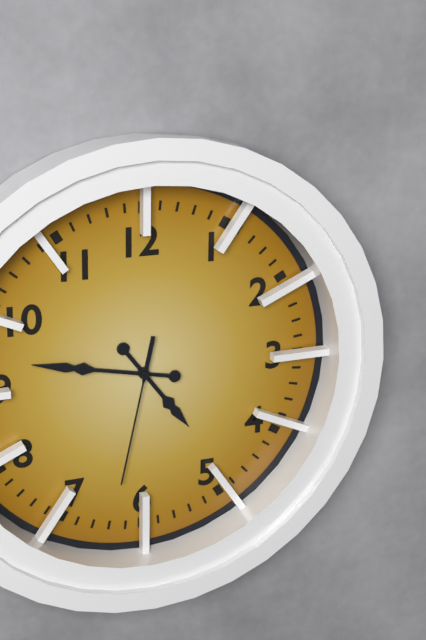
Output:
4 h 47 min 32 s
